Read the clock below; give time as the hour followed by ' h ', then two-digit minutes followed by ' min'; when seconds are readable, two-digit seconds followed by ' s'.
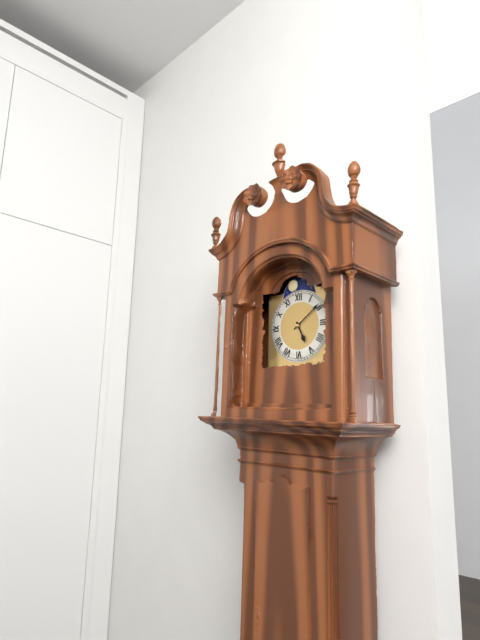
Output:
5 h 09 min
